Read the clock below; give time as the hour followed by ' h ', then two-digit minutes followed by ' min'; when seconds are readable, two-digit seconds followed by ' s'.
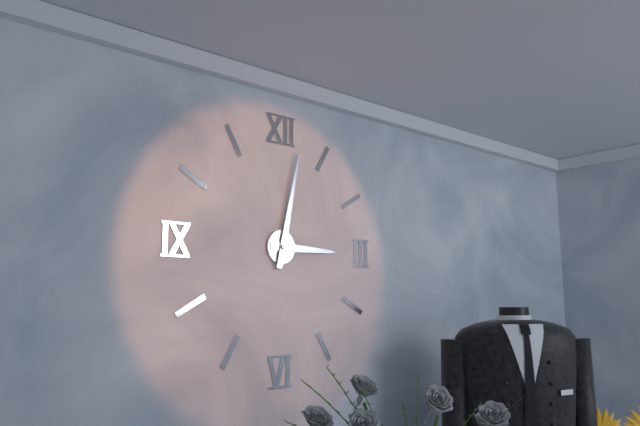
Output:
3 h 02 min
